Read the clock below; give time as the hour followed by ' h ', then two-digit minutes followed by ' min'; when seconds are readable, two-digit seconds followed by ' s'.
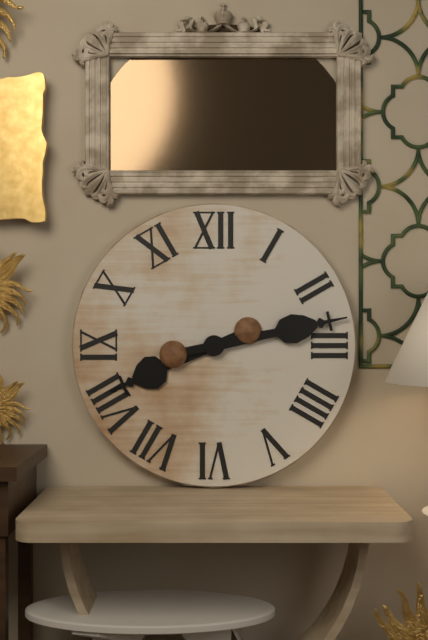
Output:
8 h 13 min
